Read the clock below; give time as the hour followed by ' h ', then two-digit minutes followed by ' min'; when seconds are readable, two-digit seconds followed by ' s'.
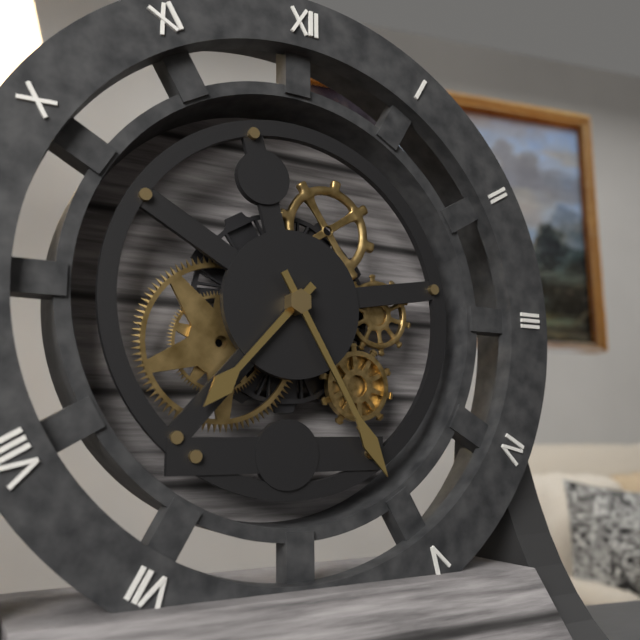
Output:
7 h 25 min
